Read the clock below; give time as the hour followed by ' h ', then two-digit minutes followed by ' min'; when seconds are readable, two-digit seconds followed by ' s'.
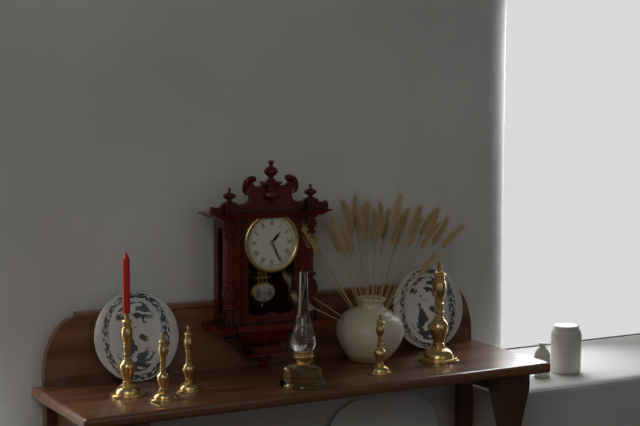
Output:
1 h 26 min
